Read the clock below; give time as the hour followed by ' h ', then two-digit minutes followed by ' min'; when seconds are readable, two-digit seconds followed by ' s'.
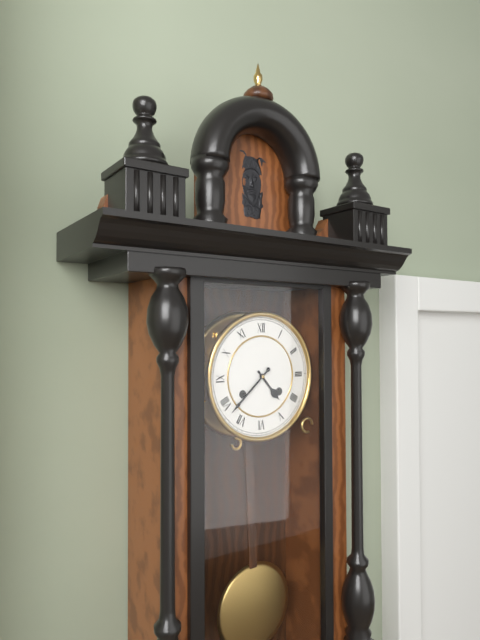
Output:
4 h 38 min
